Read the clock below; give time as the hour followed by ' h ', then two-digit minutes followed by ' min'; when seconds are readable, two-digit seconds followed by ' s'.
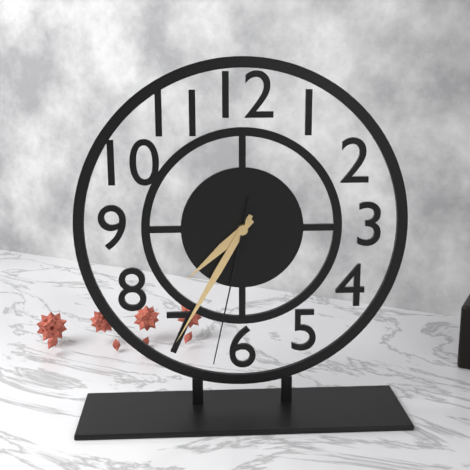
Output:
7 h 35 min 32 s
